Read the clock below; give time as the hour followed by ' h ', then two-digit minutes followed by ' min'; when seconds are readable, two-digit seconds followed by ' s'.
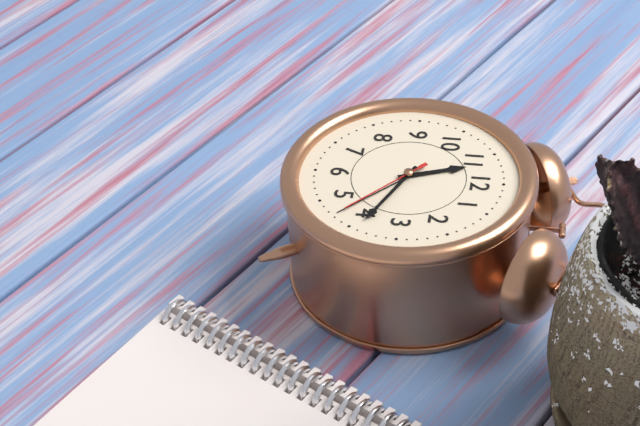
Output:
11 h 19 min 22 s
